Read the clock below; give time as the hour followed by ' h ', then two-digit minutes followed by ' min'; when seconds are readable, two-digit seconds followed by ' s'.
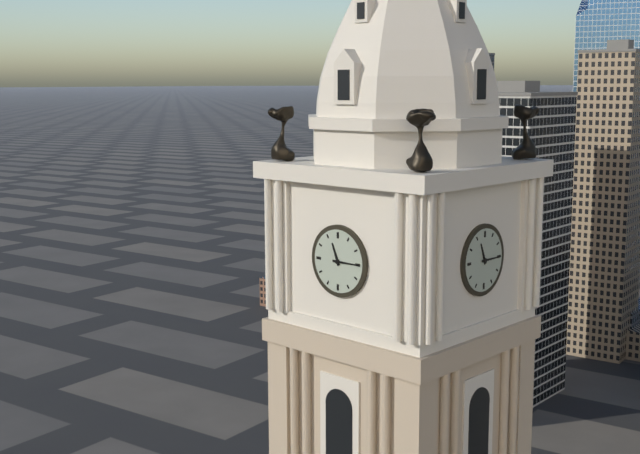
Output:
11 h 15 min
